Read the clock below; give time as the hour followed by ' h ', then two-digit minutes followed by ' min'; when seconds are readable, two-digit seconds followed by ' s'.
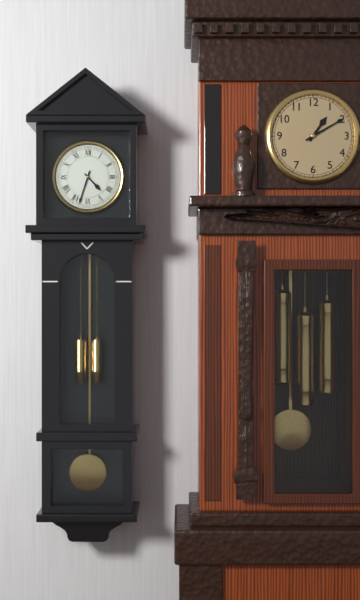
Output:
4 h 33 min
